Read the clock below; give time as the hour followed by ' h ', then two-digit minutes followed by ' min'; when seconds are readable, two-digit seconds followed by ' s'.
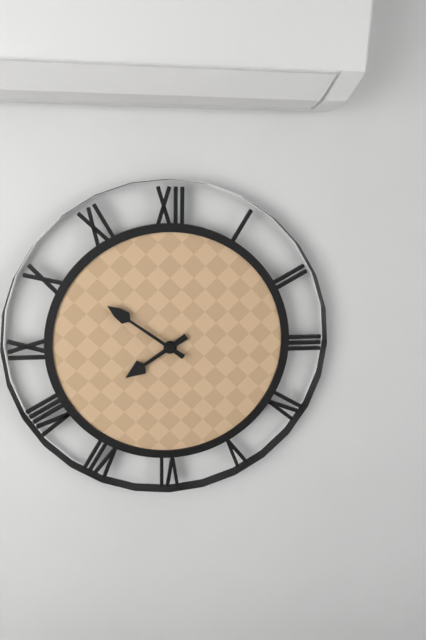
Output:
7 h 51 min
